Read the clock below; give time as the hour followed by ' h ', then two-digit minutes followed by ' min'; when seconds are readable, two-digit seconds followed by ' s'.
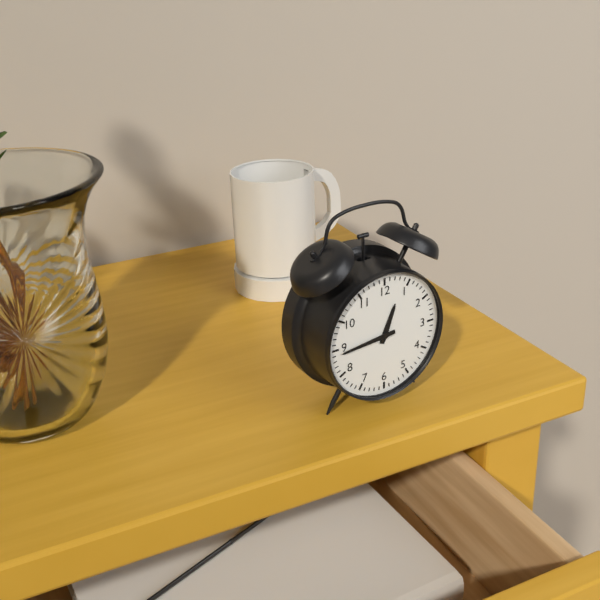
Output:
12 h 44 min
